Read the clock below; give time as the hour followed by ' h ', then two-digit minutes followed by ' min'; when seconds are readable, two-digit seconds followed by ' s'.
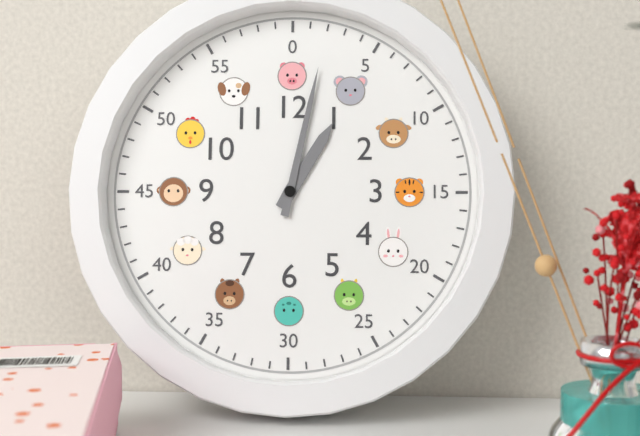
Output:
1 h 02 min
